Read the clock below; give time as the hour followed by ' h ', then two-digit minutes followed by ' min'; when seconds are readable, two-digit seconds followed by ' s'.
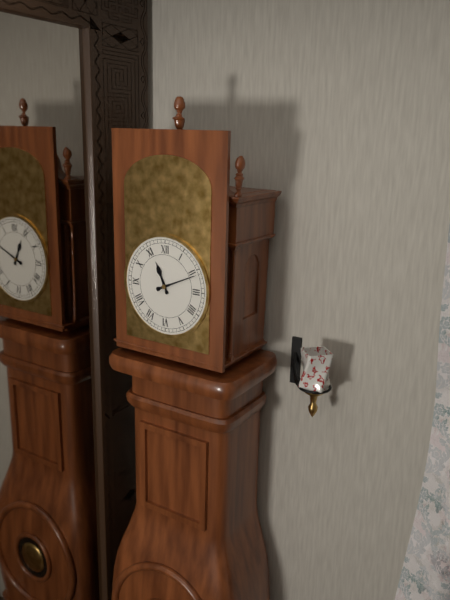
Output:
11 h 11 min
